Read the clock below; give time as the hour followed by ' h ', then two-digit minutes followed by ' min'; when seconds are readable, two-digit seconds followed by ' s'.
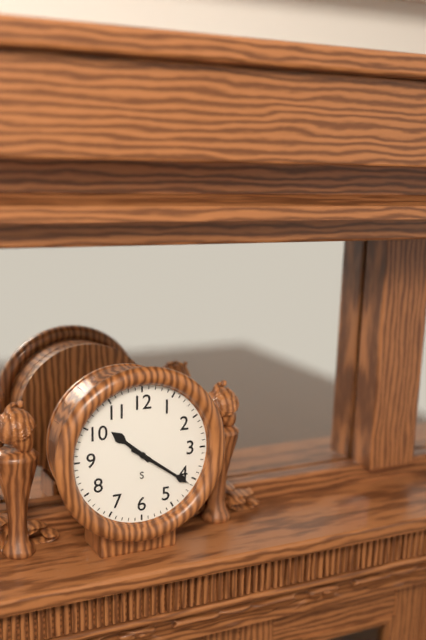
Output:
10 h 21 min
